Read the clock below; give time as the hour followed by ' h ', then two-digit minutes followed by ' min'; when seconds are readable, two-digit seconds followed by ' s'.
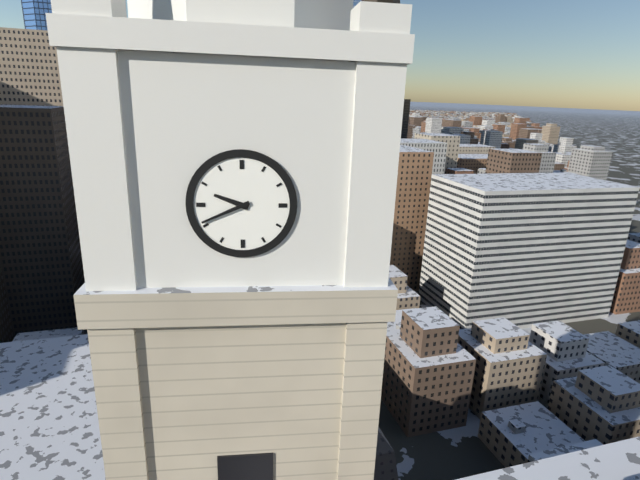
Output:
9 h 41 min
